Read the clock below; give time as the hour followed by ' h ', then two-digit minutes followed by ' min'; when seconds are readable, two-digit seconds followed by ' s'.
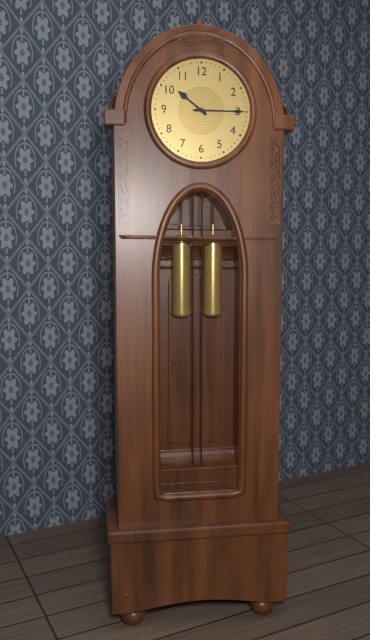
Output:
10 h 15 min
